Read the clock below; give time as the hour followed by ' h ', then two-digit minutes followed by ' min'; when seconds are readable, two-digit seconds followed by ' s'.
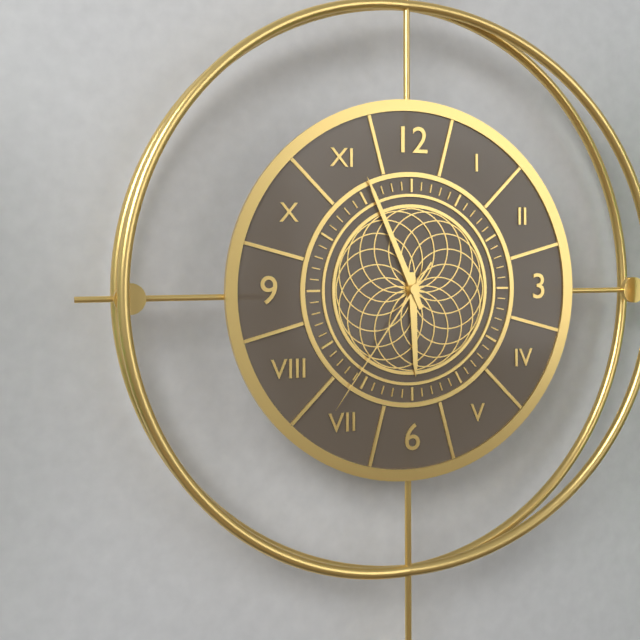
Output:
5 h 56 min 36 s
